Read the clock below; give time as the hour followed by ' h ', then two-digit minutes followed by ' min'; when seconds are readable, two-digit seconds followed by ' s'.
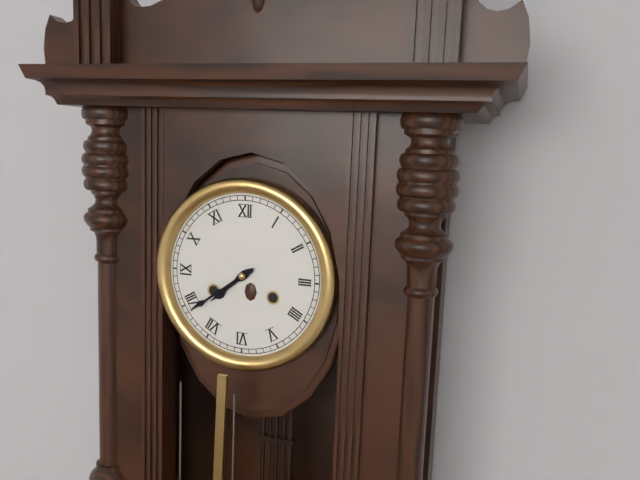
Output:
7 h 39 min
